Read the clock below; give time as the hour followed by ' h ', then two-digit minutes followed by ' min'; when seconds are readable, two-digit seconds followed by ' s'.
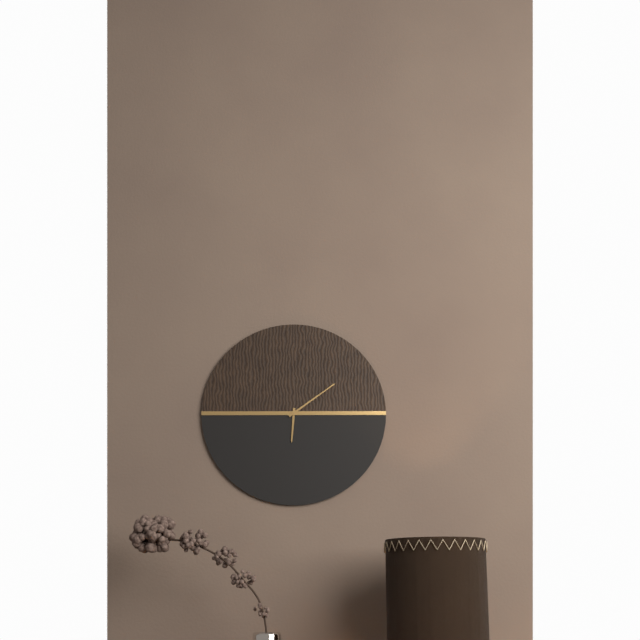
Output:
6 h 09 min
